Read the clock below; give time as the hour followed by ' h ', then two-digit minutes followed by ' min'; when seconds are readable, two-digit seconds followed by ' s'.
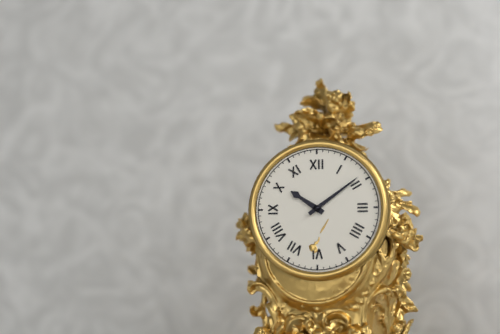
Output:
10 h 09 min
